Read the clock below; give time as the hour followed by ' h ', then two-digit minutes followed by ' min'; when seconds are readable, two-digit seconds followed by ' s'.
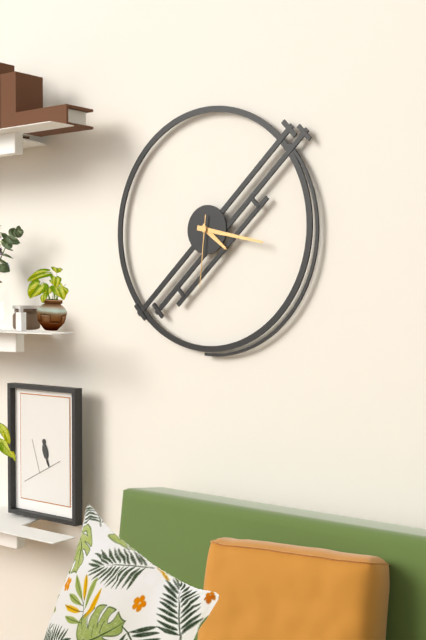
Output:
4 h 17 min 31 s
